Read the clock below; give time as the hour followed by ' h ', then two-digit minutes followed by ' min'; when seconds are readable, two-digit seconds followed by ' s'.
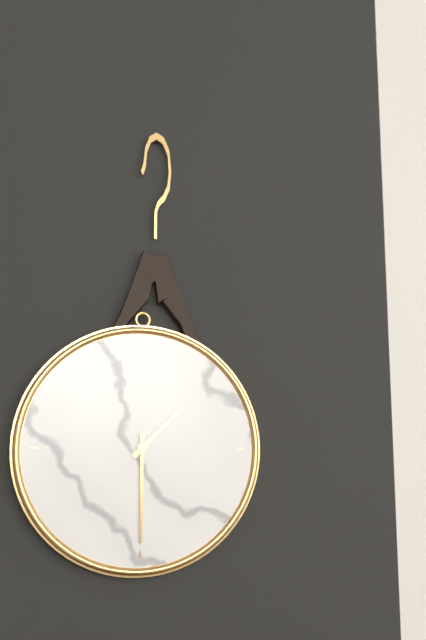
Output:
1 h 30 min
